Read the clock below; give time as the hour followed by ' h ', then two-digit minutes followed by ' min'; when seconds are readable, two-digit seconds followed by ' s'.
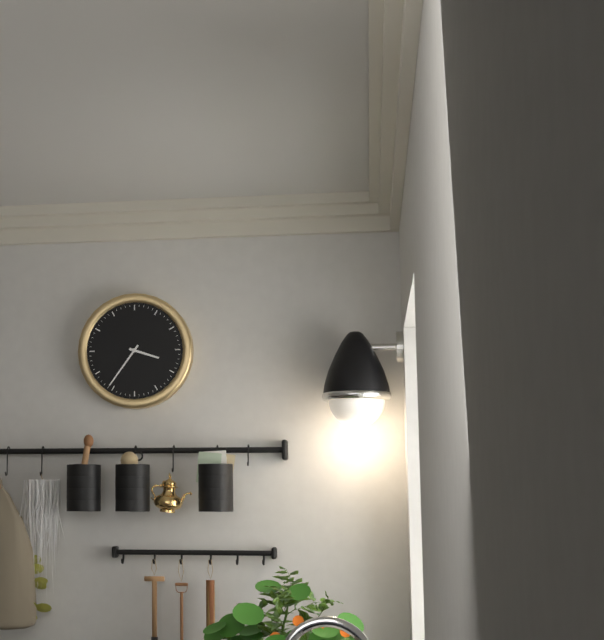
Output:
3 h 36 min
